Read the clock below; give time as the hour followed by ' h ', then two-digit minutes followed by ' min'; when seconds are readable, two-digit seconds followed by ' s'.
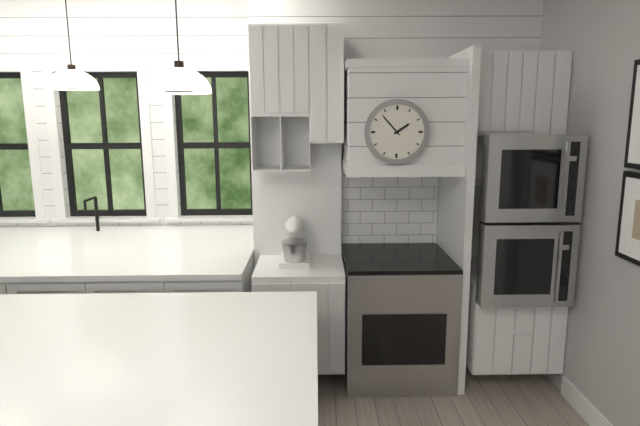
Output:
1 h 53 min
